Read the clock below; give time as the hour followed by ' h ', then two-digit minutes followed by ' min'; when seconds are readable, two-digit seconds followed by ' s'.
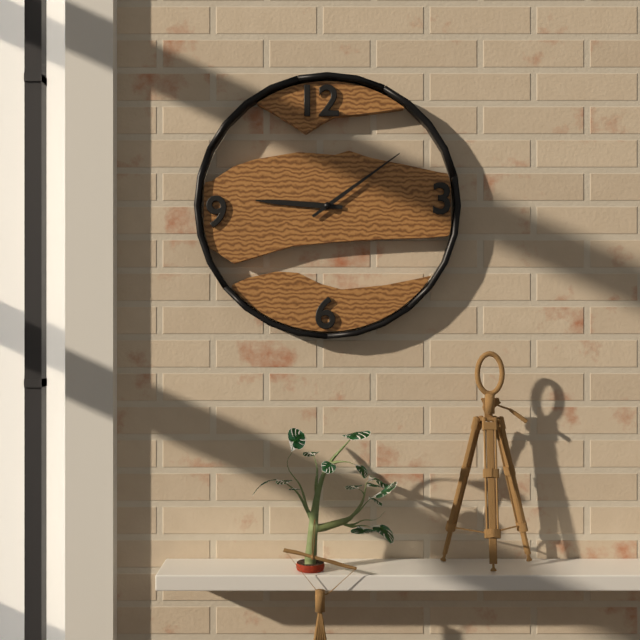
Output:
9 h 09 min
